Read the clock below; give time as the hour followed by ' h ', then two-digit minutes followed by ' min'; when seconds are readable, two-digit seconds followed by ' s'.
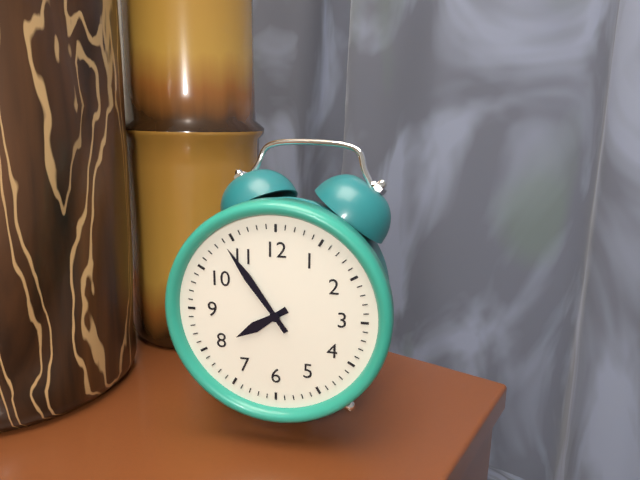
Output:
7 h 54 min
